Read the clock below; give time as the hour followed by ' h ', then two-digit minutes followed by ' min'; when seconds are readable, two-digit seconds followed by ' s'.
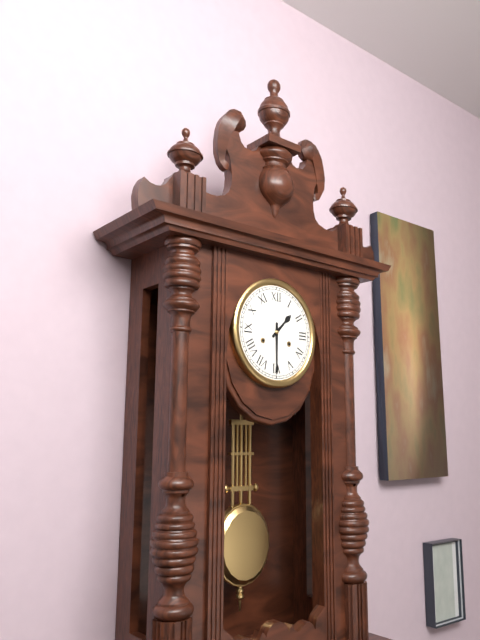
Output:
1 h 30 min
